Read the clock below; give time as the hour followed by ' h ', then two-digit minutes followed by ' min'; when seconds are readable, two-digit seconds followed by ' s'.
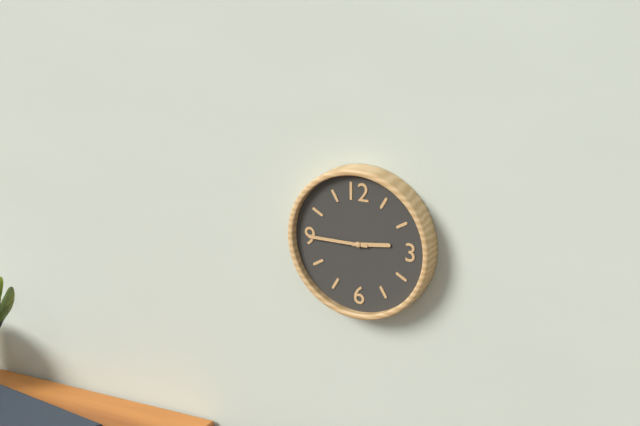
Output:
2 h 45 min
